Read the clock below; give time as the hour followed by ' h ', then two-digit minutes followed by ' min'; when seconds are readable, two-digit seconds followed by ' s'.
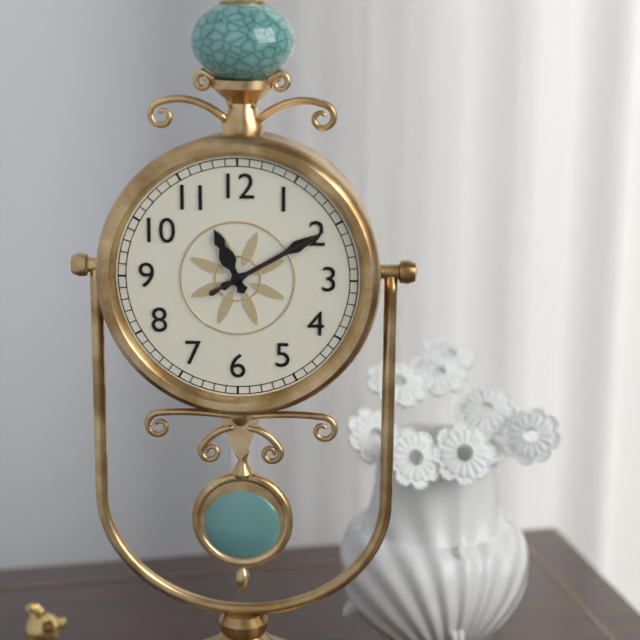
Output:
11 h 10 min 10 s
